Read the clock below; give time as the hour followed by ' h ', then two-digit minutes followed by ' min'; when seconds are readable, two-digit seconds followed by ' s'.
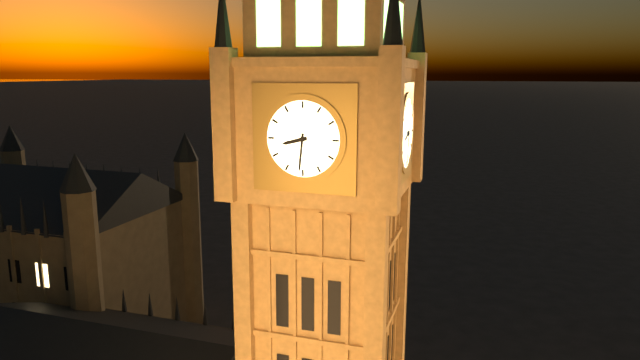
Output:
8 h 31 min
